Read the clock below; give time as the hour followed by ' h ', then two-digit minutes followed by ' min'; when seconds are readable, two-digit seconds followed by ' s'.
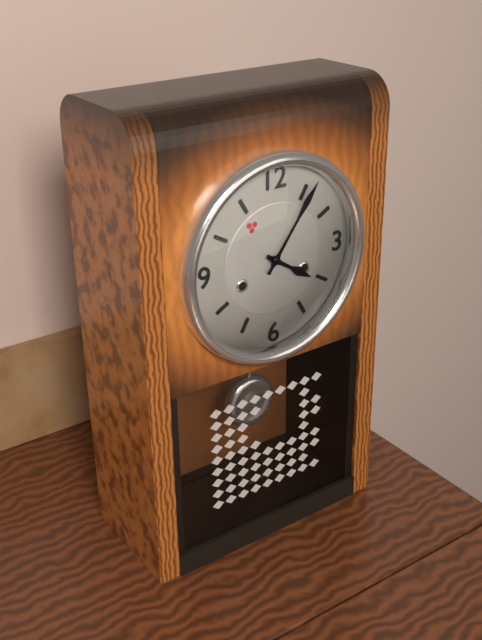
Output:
4 h 06 min
